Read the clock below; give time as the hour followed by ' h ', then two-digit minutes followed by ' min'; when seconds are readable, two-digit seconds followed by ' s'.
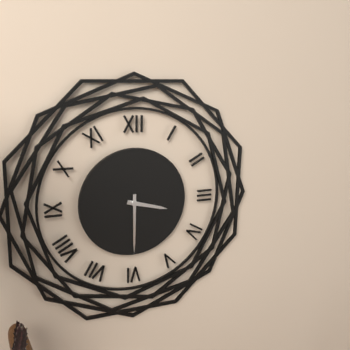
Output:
3 h 30 min
